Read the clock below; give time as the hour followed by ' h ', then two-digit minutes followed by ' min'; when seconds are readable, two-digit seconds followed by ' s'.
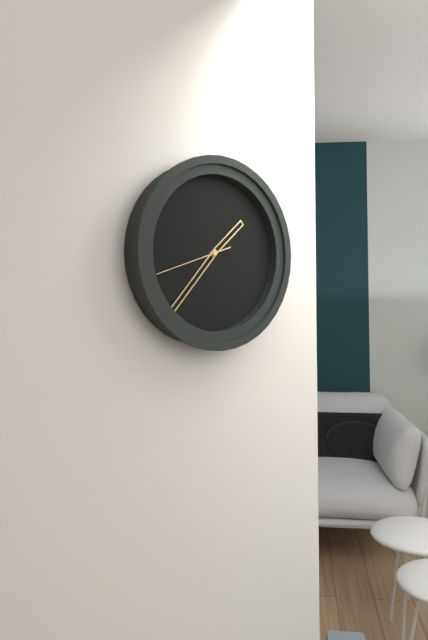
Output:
1 h 37 min 42 s
